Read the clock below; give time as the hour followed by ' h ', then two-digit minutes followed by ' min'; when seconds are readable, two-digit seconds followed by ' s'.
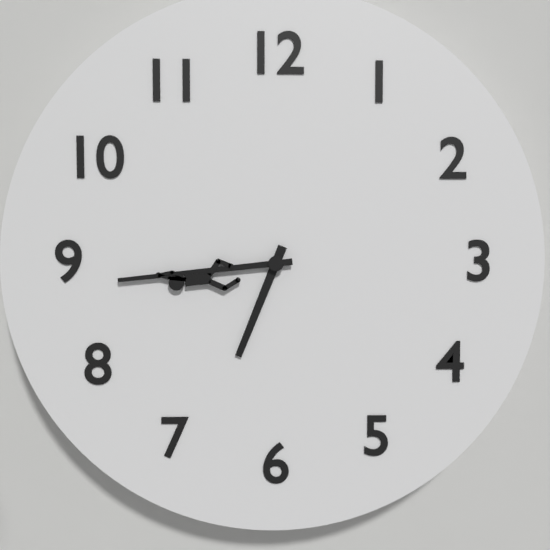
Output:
6 h 44 min
